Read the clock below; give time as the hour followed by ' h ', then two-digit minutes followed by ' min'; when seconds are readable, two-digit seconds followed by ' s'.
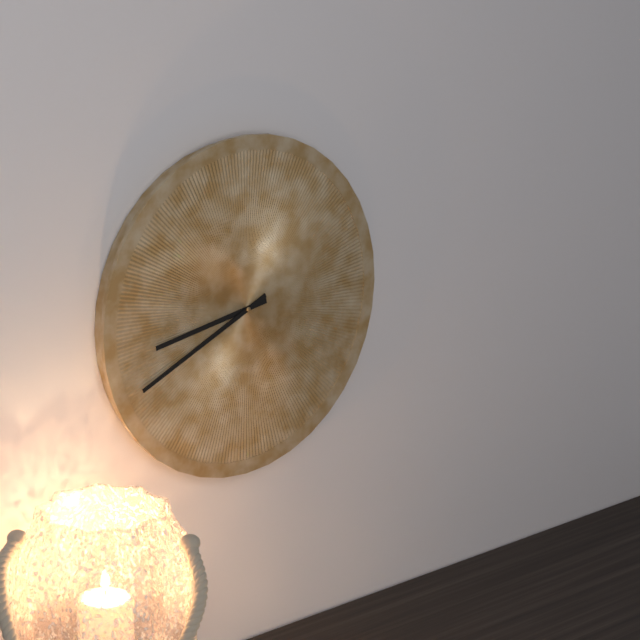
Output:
8 h 41 min
